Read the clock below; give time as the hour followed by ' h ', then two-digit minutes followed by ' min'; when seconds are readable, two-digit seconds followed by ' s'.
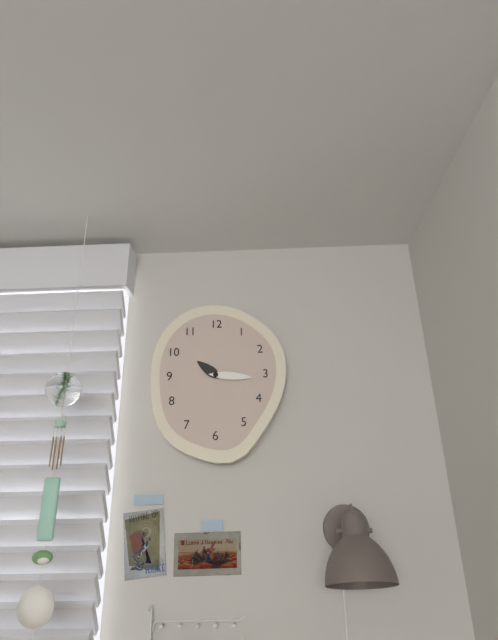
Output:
10 h 16 min
